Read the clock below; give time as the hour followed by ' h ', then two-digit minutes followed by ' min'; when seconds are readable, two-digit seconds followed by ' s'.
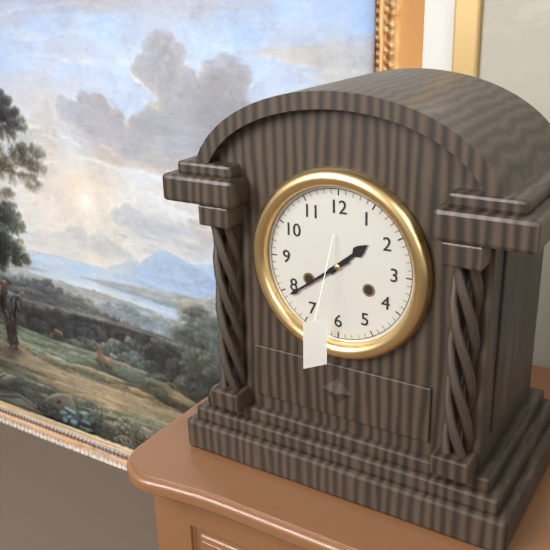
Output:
1 h 39 min
